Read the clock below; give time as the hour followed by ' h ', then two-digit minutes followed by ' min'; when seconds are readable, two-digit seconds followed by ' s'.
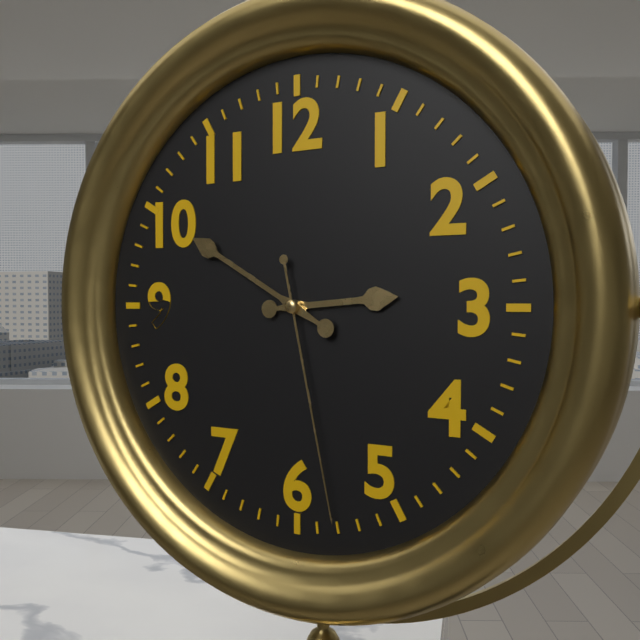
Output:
2 h 50 min 28 s
